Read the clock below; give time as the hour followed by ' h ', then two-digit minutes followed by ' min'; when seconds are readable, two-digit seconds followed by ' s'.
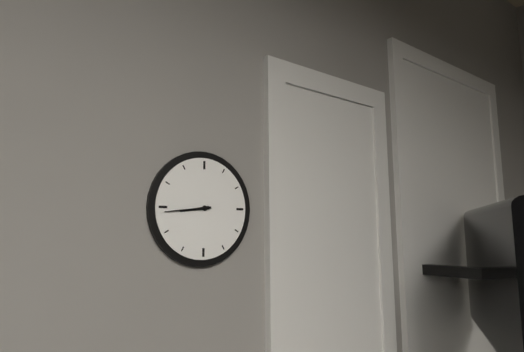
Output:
8 h 44 min
